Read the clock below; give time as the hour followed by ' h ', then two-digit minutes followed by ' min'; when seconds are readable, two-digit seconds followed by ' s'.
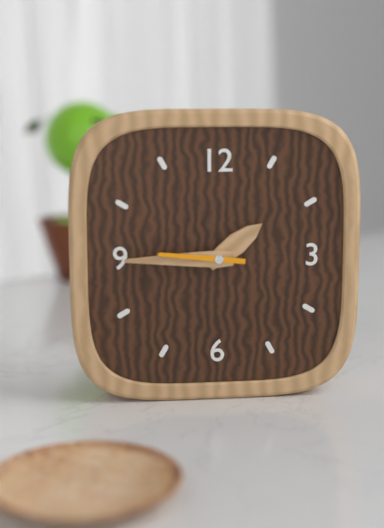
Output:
1 h 45 min 46 s
